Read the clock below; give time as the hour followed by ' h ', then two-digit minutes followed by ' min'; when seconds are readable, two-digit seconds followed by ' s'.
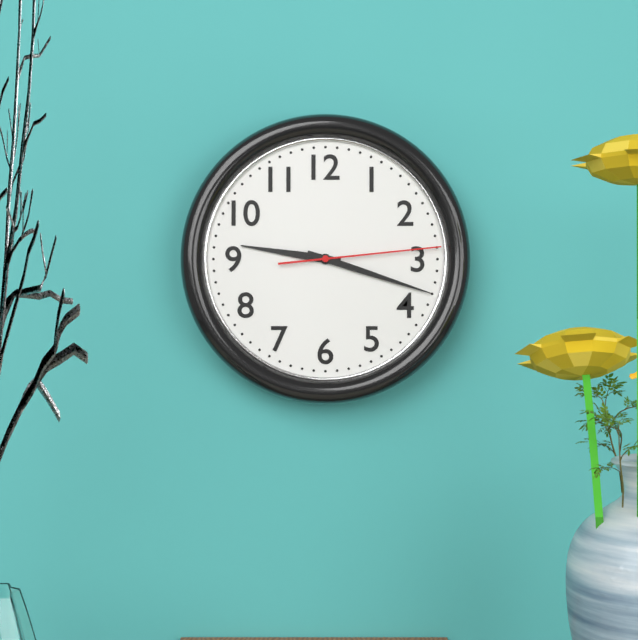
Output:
9 h 18 min 14 s
